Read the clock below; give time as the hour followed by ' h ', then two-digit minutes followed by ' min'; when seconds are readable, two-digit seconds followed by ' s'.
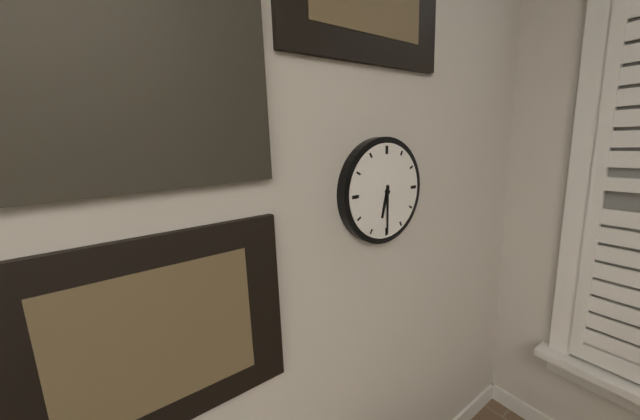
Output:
6 h 30 min
